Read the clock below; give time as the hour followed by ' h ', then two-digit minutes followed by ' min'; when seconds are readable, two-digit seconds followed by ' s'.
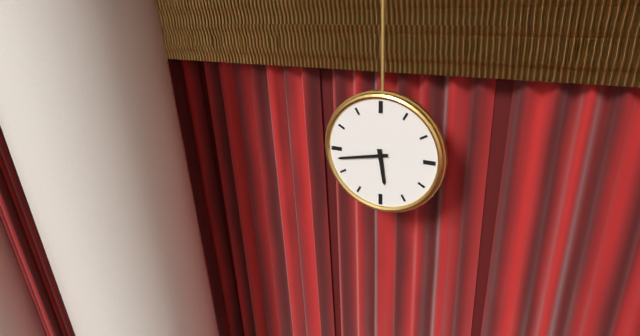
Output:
5 h 43 min
